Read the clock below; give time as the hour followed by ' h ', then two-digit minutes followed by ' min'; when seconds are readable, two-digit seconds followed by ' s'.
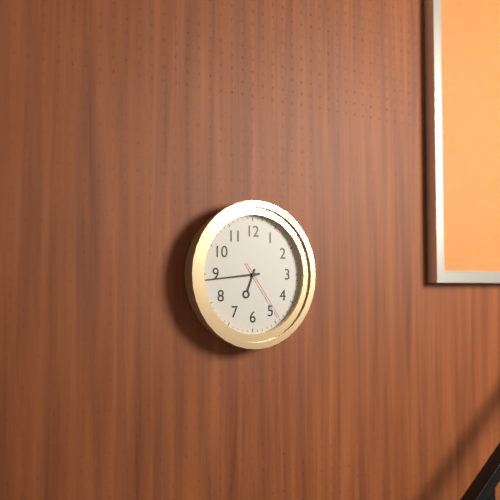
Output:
6 h 44 min 24 s
